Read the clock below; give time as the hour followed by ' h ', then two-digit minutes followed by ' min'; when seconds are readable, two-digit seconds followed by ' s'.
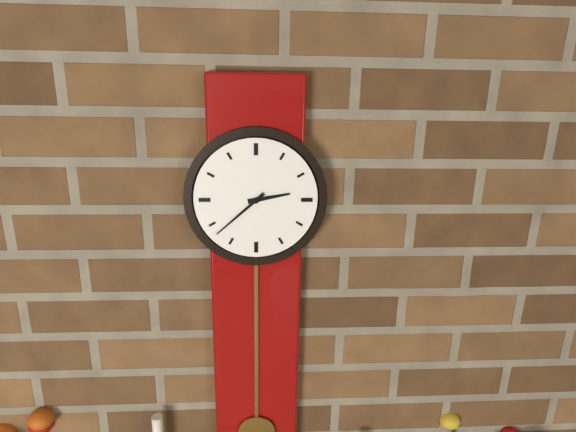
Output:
2 h 38 min
